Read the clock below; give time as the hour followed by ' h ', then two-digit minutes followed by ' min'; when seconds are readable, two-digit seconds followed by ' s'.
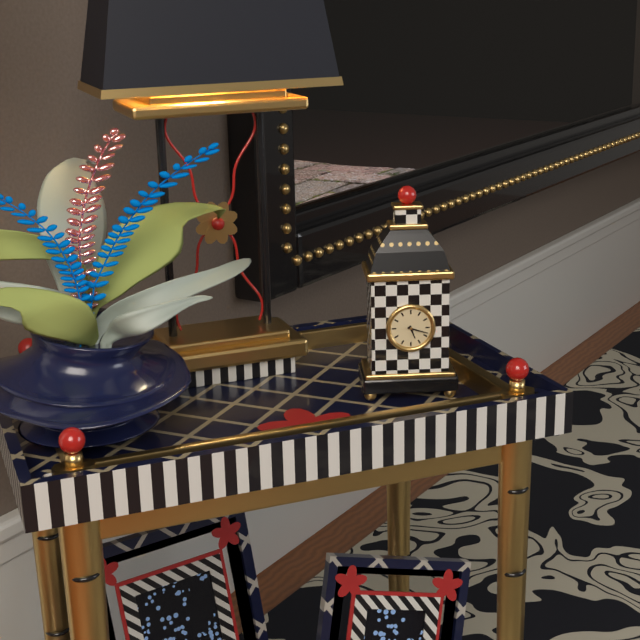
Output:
5 h 18 min
